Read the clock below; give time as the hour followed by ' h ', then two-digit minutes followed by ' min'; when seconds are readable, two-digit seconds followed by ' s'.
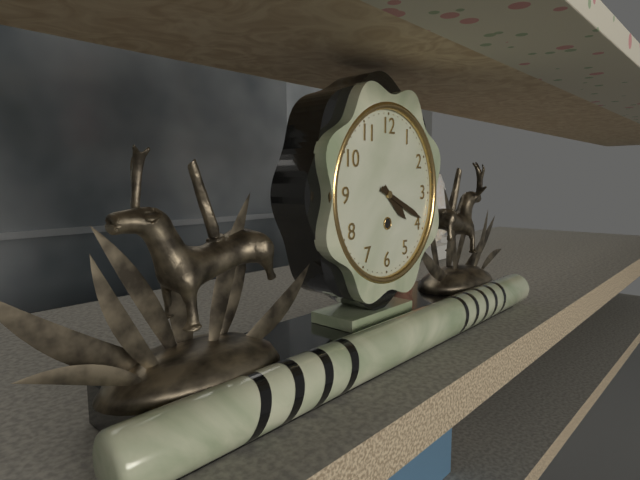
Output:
4 h 19 min
